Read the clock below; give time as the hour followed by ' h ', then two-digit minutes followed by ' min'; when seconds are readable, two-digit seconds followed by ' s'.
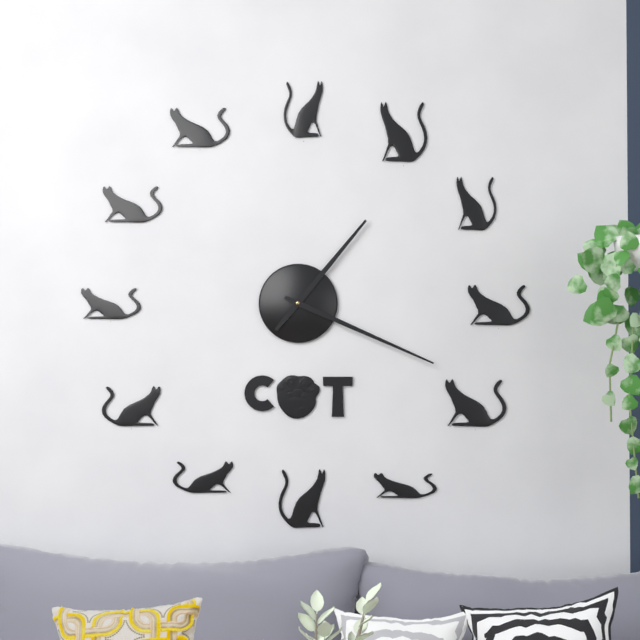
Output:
1 h 19 min
